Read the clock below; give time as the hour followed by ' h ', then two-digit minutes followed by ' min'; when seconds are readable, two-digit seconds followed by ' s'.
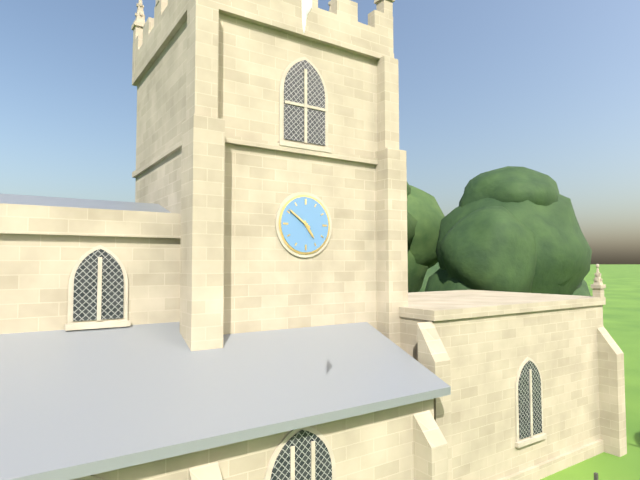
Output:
4 h 51 min
